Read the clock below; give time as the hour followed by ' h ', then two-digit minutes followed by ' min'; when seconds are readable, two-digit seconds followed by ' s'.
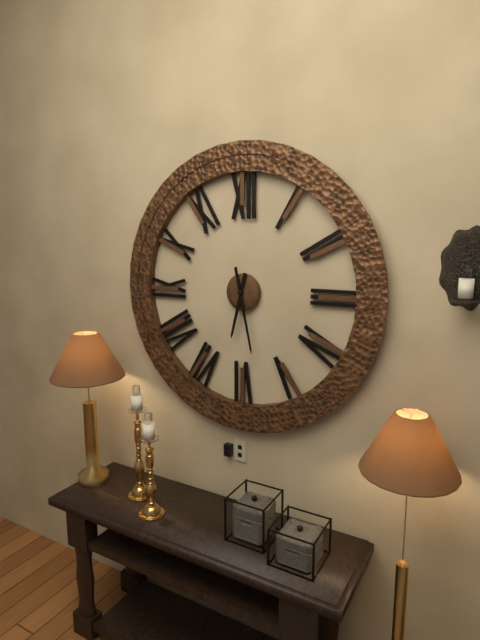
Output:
6 h 28 min
